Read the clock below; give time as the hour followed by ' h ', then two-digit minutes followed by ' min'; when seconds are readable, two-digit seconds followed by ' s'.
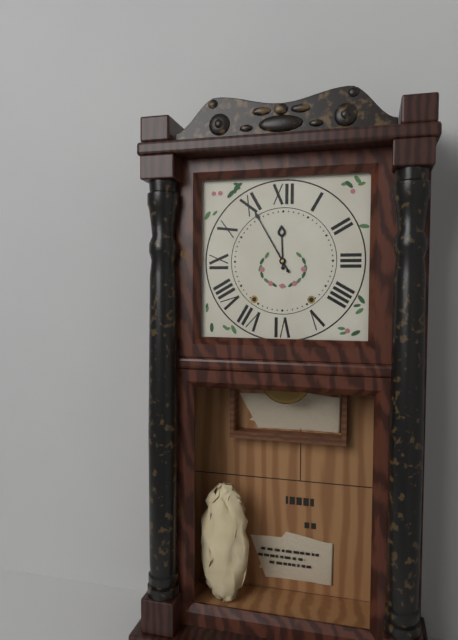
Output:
11 h 55 min
